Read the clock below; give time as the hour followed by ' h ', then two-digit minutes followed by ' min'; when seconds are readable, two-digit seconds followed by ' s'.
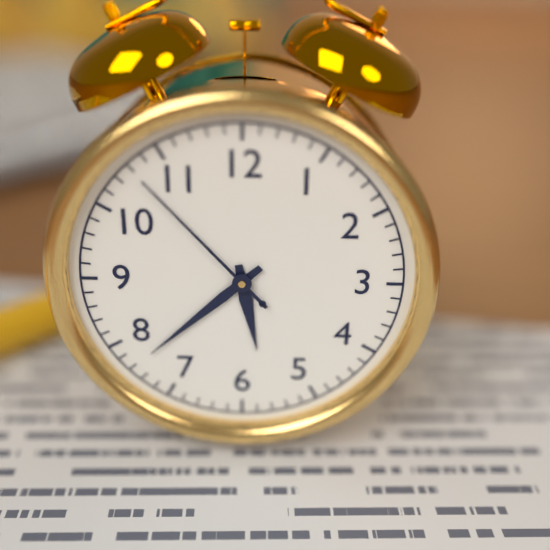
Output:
5 h 38 min 53 s
